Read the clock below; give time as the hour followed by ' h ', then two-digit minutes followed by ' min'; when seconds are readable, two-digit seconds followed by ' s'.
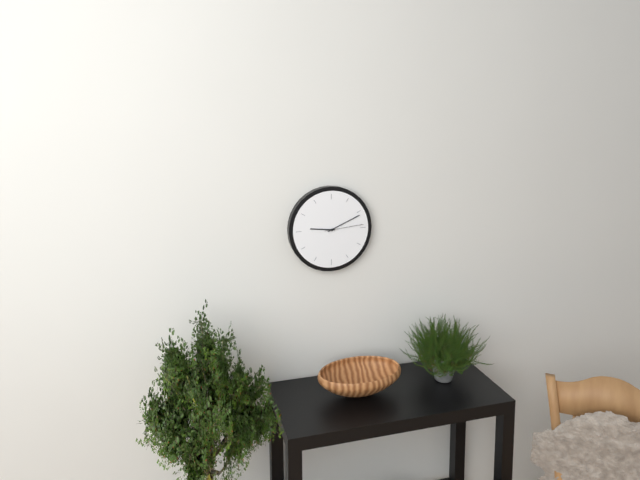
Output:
9 h 11 min
